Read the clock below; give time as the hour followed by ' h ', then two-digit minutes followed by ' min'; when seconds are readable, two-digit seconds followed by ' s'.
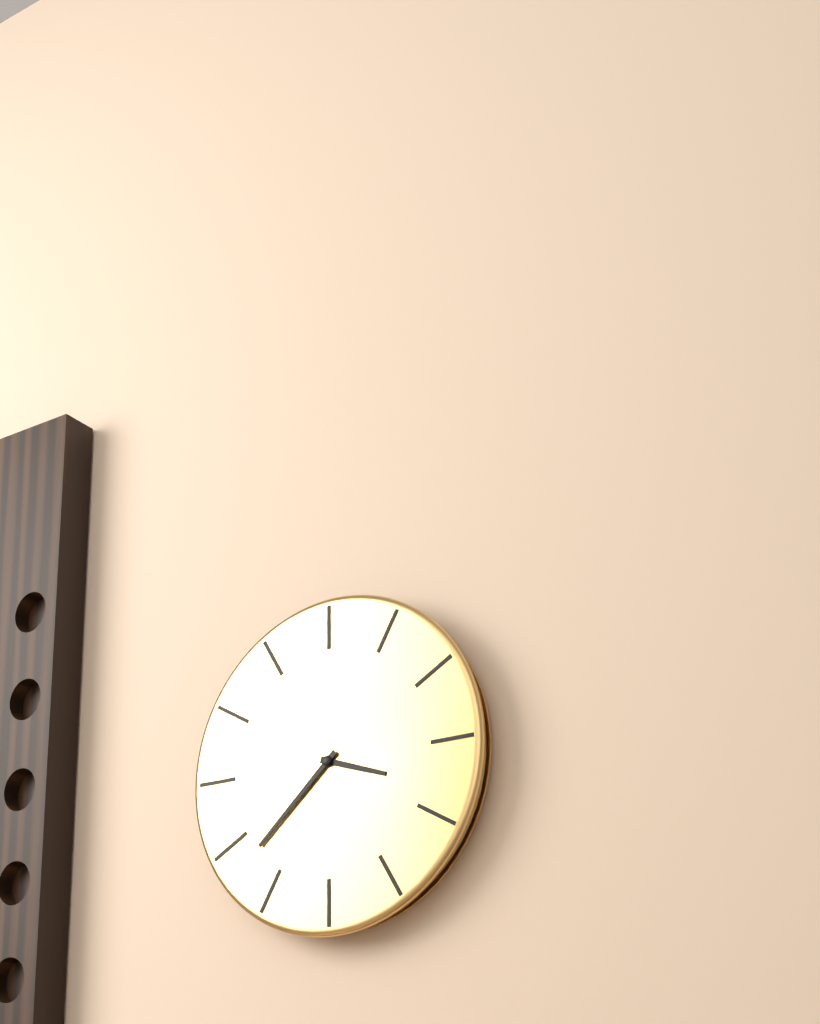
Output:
3 h 38 min
